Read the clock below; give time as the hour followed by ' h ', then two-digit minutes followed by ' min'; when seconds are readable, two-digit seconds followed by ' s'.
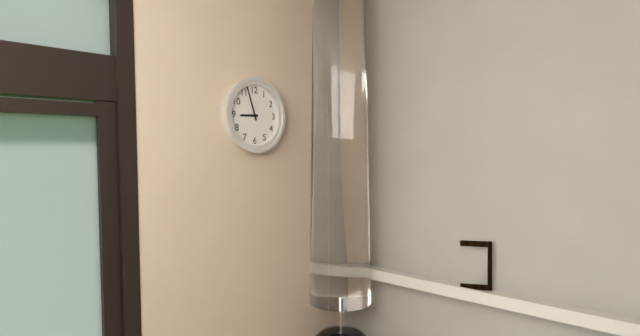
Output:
8 h 57 min
